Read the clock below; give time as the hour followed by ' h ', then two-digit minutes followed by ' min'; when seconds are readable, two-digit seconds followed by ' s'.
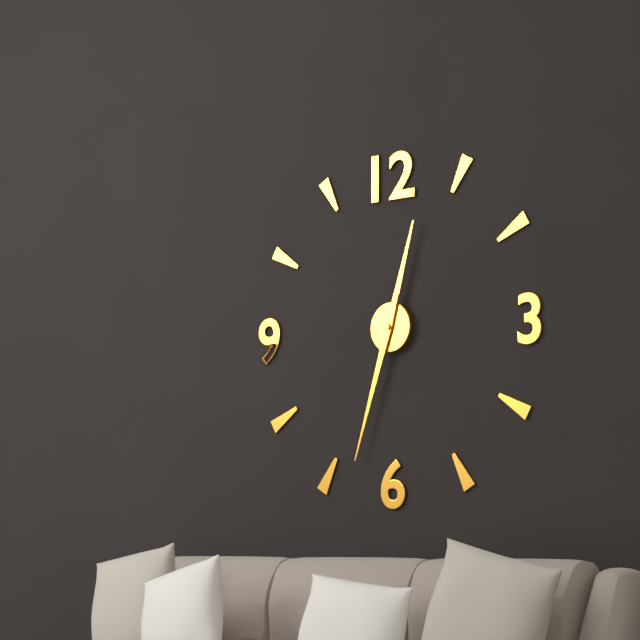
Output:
12 h 33 min
